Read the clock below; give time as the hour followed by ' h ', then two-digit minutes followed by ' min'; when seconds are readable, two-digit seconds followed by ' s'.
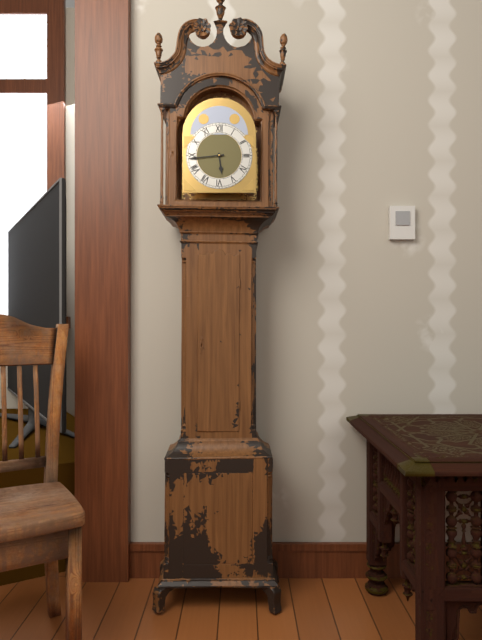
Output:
5 h 44 min
